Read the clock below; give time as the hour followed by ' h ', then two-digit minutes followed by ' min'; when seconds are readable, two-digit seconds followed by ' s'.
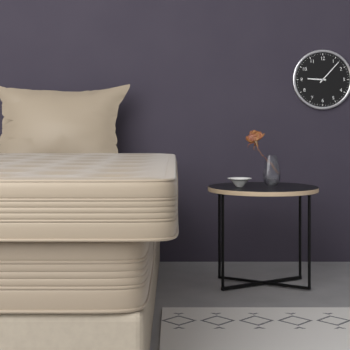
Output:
9 h 07 min
